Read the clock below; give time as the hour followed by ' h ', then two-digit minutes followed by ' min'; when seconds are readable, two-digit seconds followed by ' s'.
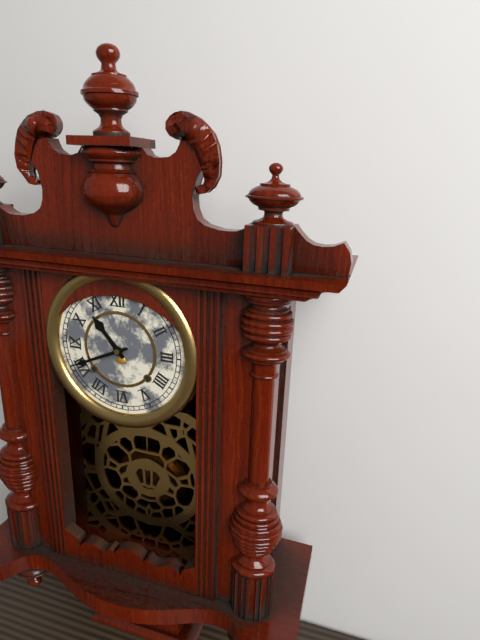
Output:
10 h 41 min
